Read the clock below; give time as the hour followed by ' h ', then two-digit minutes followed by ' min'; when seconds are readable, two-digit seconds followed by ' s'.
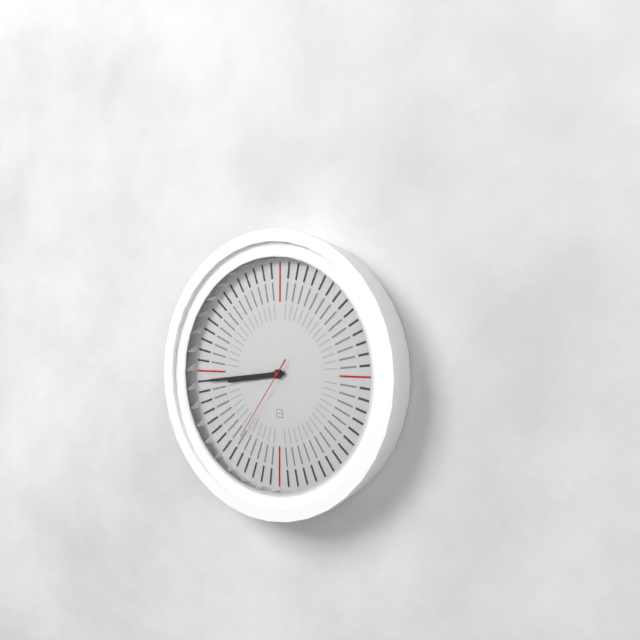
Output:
8 h 44 min 36 s
